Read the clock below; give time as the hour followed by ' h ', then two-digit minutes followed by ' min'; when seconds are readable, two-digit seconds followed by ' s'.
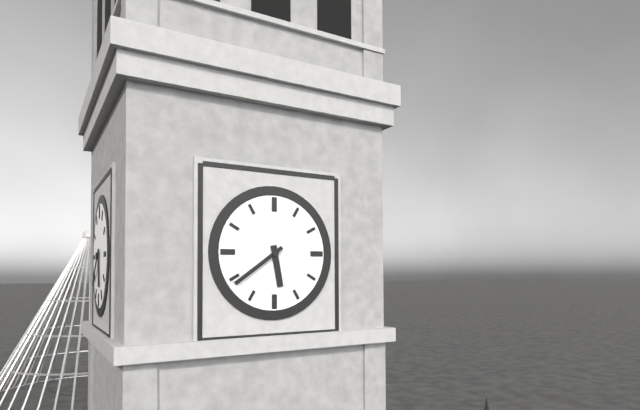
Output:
5 h 39 min
